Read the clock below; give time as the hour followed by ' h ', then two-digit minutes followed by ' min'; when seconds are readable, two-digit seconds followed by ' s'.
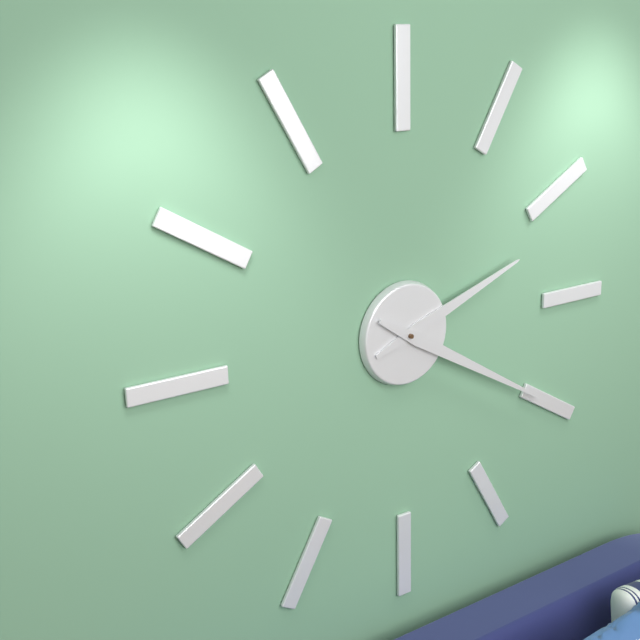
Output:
2 h 20 min
